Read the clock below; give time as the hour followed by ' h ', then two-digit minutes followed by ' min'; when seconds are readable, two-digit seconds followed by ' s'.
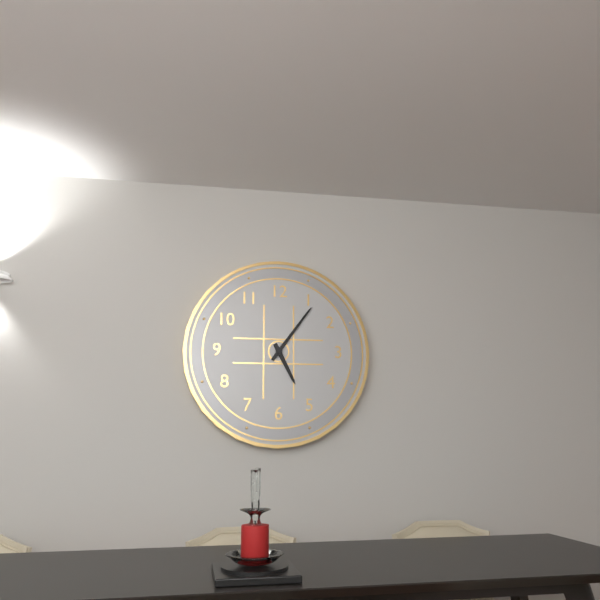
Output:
5 h 06 min
